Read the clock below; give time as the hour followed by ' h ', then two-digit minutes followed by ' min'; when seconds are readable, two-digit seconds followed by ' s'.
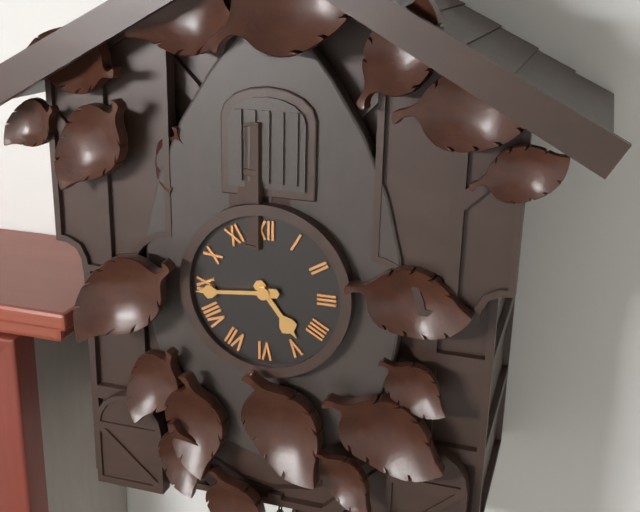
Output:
4 h 44 min
